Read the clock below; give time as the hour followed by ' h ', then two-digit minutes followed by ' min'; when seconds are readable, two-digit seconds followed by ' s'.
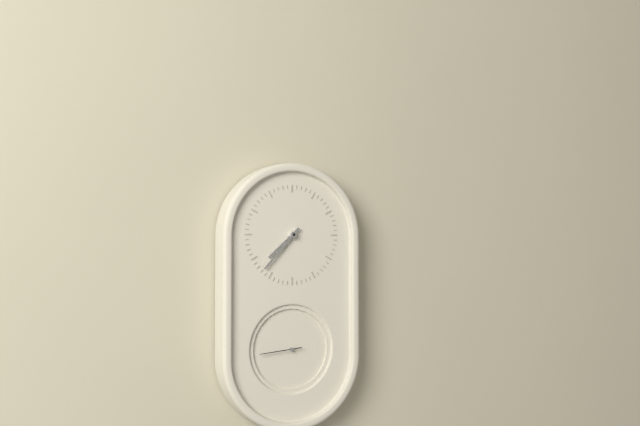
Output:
7 h 37 min
